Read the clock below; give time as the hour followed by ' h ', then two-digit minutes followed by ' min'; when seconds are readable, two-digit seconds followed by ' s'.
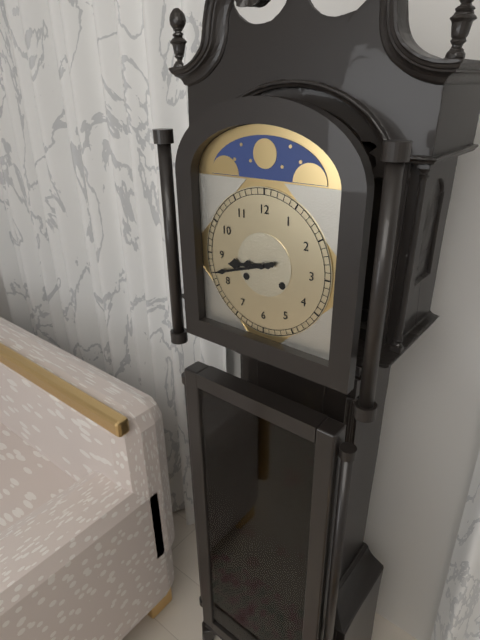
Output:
8 h 42 min
